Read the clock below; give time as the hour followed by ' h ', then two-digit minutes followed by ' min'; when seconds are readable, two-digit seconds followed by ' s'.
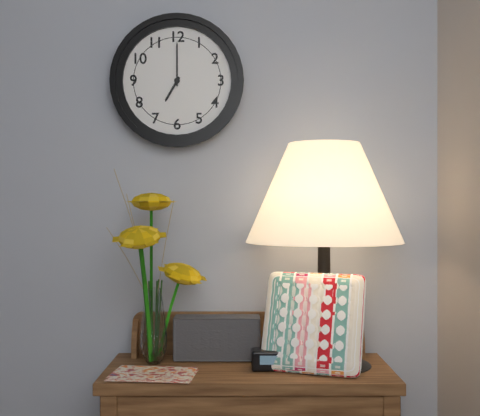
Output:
7 h 00 min
